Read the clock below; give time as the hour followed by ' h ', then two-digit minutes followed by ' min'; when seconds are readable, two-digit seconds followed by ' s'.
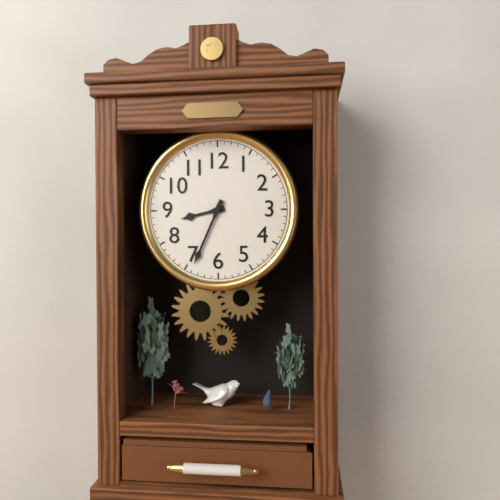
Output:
8 h 34 min
